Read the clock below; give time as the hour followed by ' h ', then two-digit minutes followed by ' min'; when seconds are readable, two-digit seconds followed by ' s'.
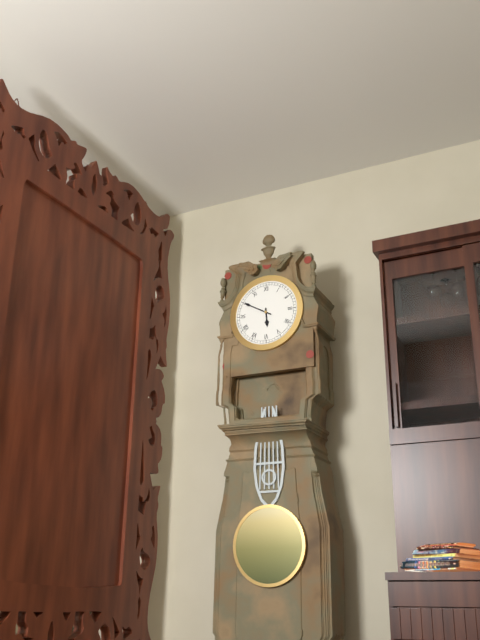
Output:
5 h 50 min
